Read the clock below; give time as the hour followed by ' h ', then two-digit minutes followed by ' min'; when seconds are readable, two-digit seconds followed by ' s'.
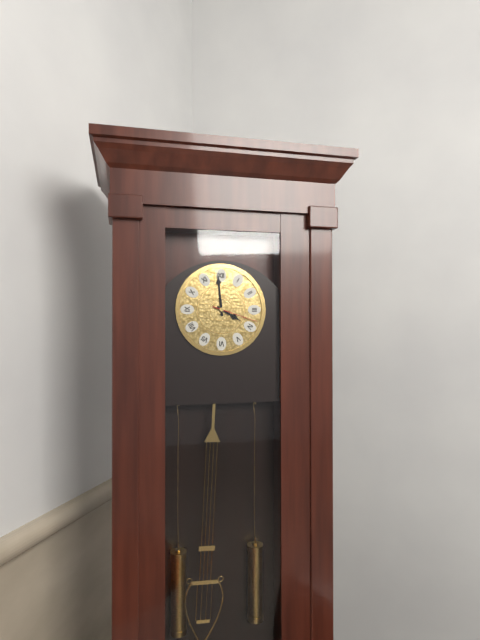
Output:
3 h 59 min
